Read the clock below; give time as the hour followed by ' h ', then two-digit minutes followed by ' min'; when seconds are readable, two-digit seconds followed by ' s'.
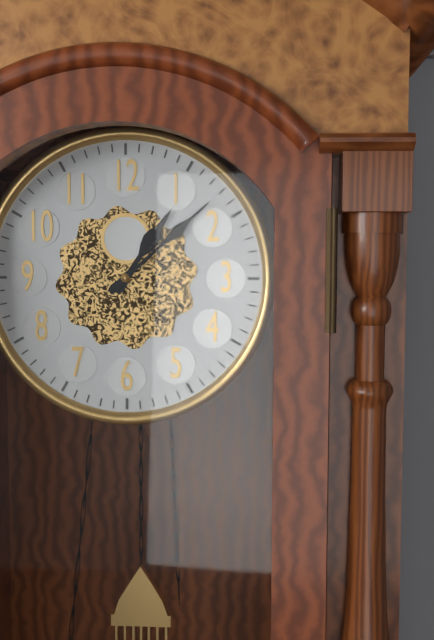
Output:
1 h 08 min
